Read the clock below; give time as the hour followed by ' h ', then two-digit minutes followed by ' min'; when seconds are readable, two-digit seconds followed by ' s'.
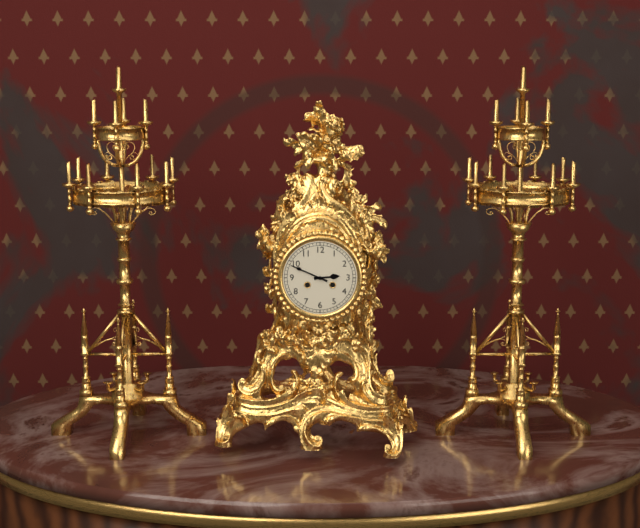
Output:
2 h 49 min
